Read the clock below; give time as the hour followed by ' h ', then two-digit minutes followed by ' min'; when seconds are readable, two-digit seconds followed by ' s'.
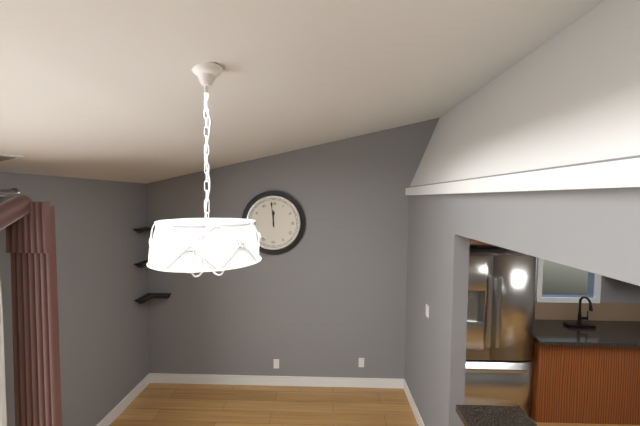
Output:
11 h 59 min
